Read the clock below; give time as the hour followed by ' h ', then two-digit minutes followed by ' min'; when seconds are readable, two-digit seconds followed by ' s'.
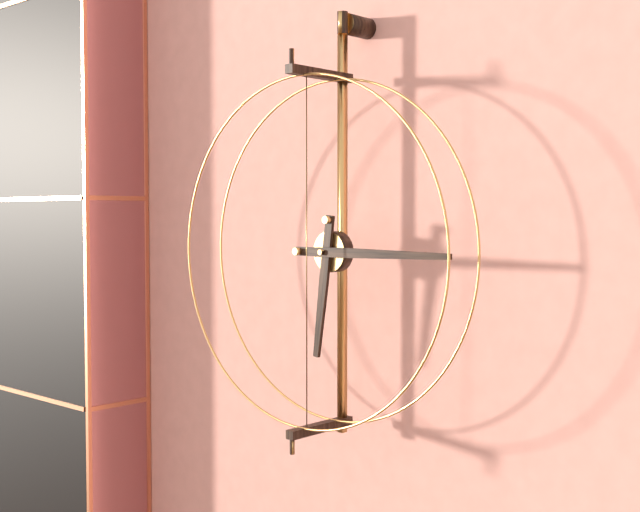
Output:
6 h 15 min
